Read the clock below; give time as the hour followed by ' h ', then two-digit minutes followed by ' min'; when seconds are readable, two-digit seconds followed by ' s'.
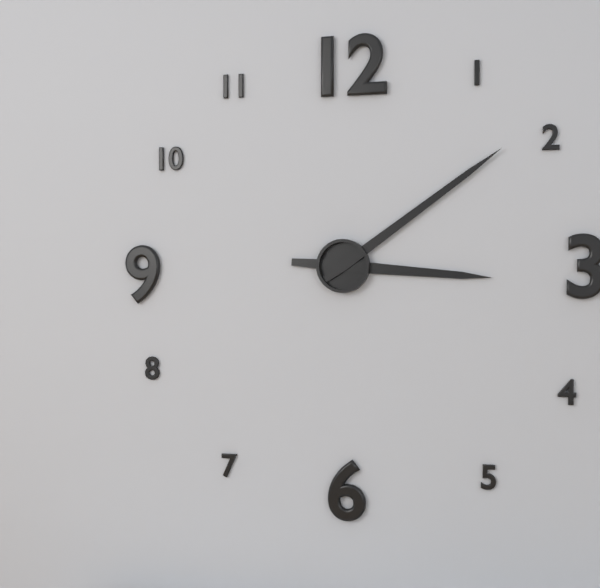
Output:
3 h 09 min
